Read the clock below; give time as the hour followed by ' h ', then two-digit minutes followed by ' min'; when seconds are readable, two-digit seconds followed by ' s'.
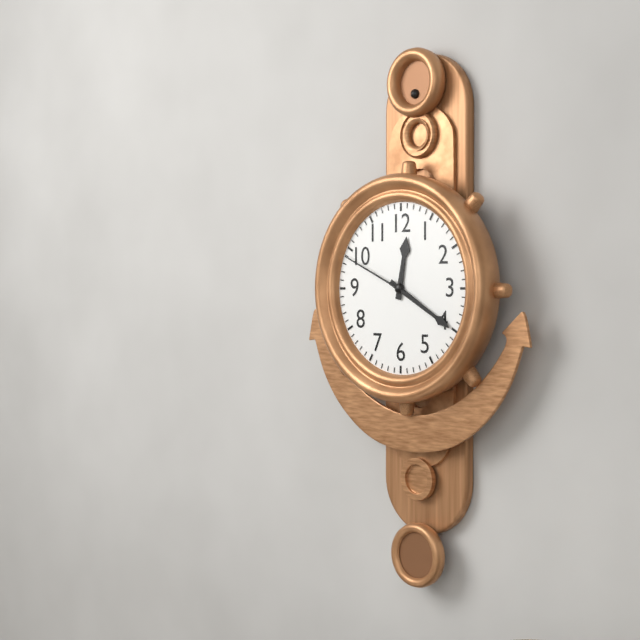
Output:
12 h 20 min 49 s
